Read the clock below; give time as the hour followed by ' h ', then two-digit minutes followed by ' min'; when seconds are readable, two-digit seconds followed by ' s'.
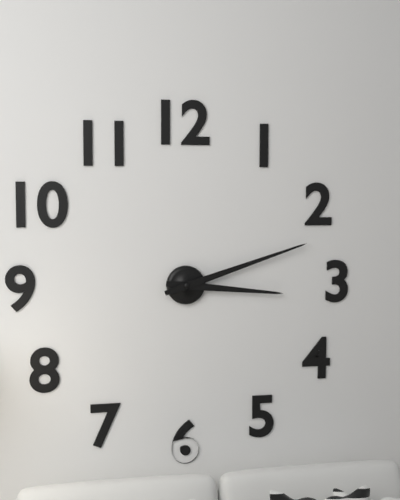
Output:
3 h 12 min
